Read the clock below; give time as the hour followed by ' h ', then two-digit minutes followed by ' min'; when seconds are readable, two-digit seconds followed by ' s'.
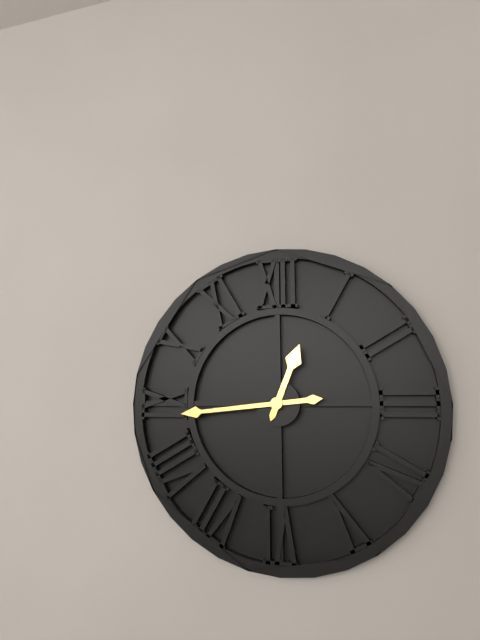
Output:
12 h 44 min
